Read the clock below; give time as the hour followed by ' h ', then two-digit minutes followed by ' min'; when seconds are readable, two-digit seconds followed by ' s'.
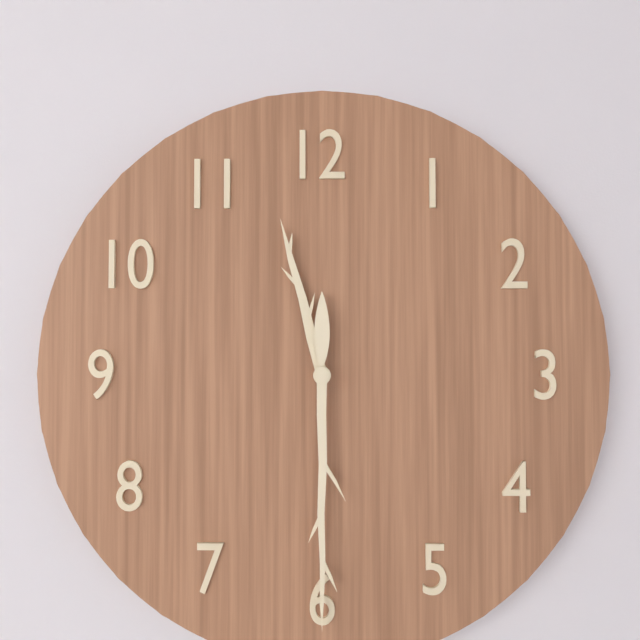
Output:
11 h 30 min
